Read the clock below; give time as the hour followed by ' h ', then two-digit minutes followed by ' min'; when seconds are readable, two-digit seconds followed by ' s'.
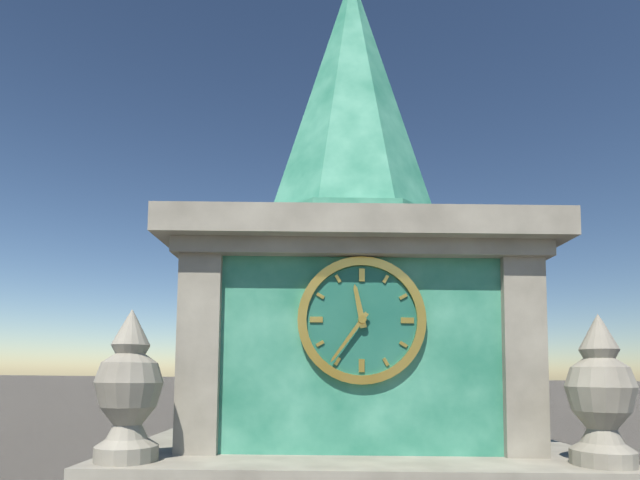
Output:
11 h 36 min
